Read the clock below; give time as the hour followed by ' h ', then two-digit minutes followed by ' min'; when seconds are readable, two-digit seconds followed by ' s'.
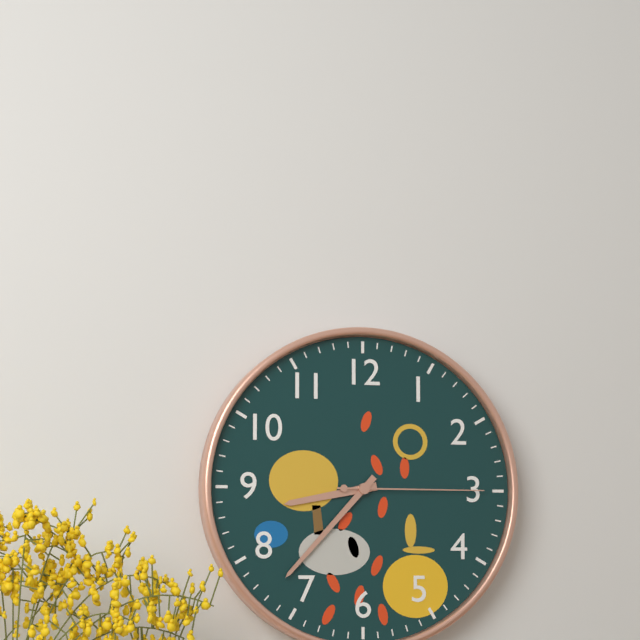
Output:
8 h 37 min 15 s
